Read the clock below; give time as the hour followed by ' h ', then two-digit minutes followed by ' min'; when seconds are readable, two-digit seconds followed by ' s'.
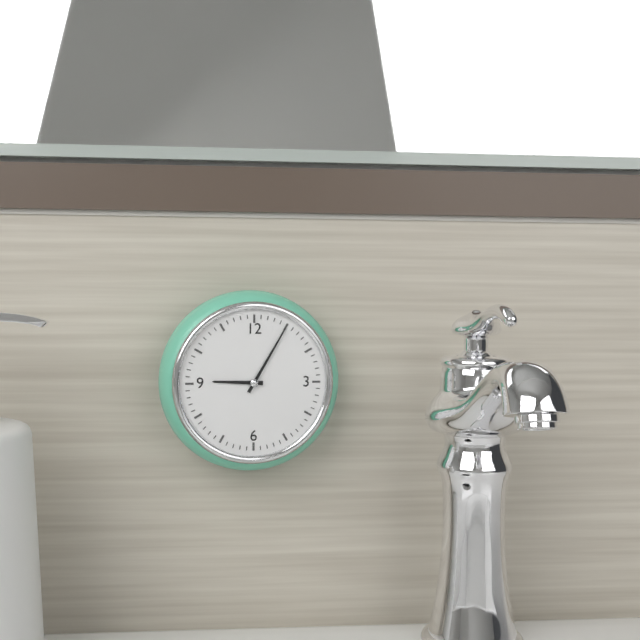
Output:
9 h 05 min
